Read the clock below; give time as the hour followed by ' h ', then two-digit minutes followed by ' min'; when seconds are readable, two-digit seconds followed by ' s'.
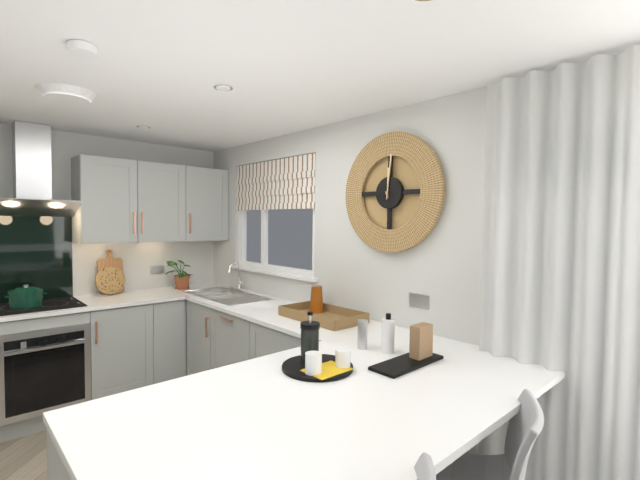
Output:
12 h 01 min
